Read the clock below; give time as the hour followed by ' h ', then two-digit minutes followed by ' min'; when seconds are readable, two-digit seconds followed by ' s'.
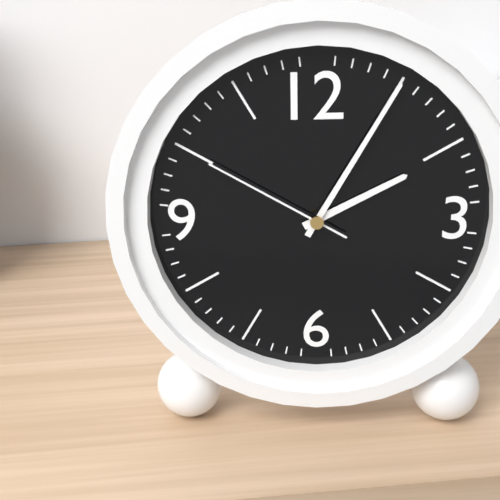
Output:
2 h 05 min 50 s
